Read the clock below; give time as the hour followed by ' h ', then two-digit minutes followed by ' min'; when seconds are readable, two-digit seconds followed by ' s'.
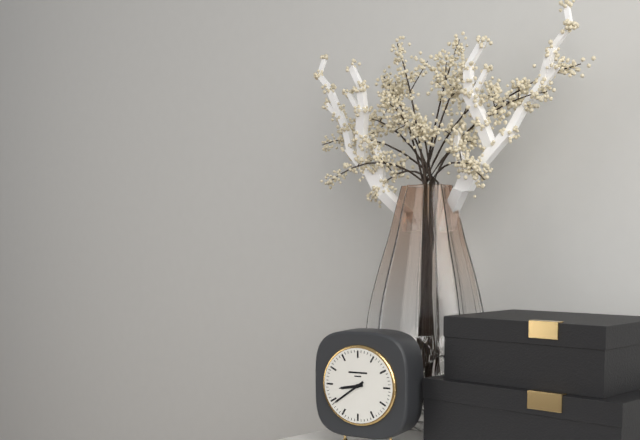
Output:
8 h 39 min
